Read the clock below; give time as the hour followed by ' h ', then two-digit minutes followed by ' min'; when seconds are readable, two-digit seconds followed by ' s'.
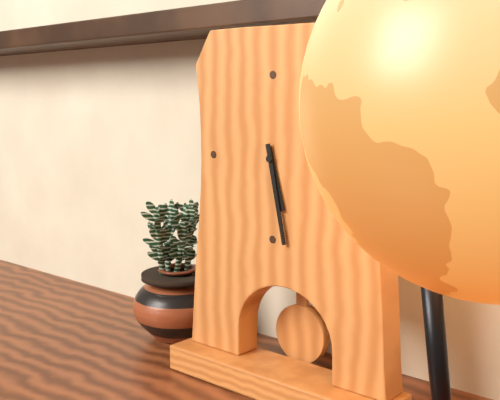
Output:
5 h 28 min
